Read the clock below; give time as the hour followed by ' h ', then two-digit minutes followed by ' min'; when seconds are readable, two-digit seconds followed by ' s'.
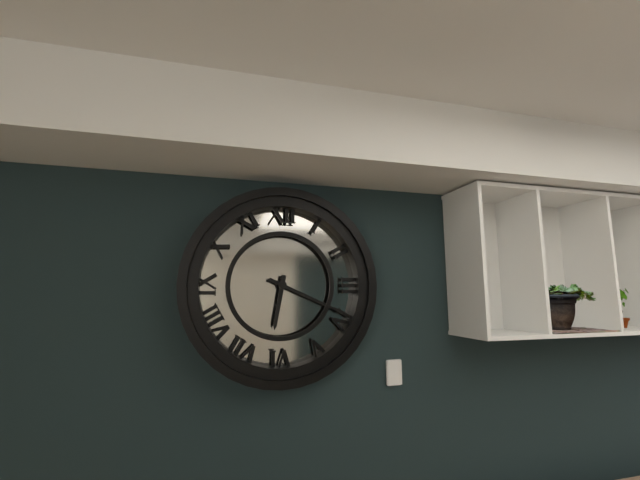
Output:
6 h 19 min
